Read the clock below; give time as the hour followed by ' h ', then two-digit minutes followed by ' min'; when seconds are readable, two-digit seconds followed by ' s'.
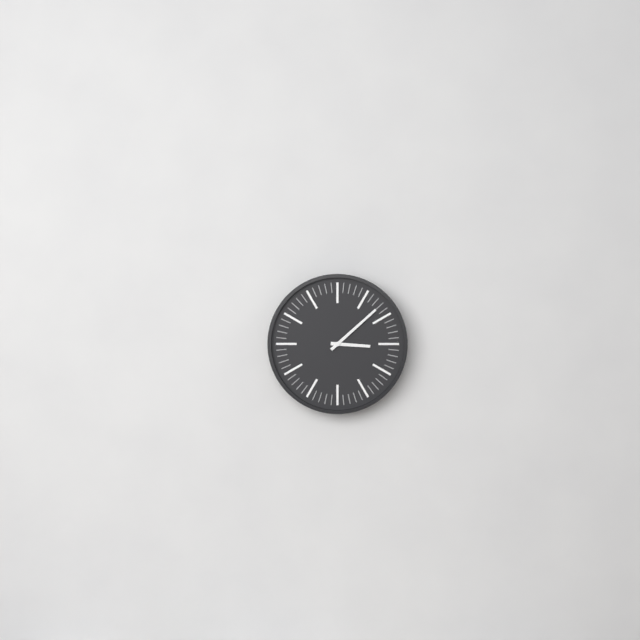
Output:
3 h 08 min
